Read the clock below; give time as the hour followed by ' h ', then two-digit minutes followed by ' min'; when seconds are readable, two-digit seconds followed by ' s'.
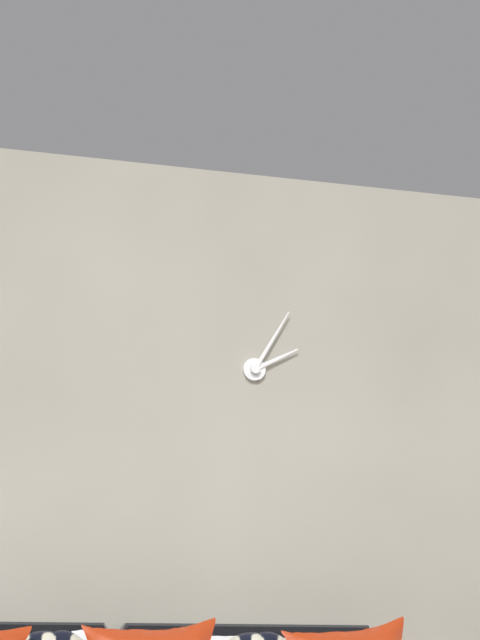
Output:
2 h 05 min
